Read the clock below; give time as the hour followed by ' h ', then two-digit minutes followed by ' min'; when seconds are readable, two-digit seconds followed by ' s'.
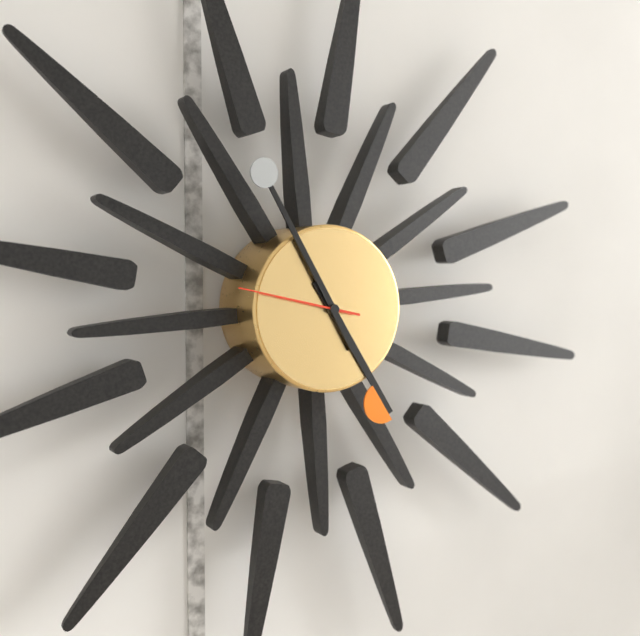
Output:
4 h 55 min 47 s
